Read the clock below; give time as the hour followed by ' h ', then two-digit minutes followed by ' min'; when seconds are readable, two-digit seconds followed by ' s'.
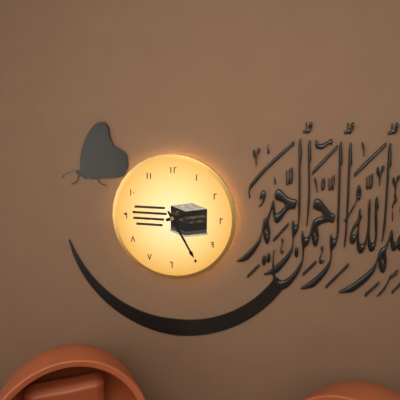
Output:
2 h 25 min
